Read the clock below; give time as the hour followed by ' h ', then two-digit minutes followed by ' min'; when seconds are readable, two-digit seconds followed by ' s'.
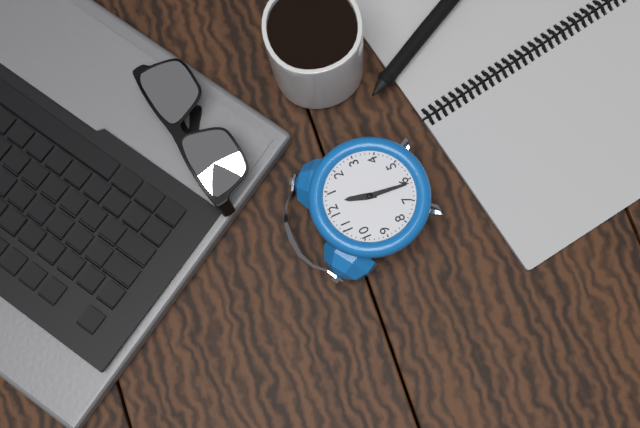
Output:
12 h 31 min
